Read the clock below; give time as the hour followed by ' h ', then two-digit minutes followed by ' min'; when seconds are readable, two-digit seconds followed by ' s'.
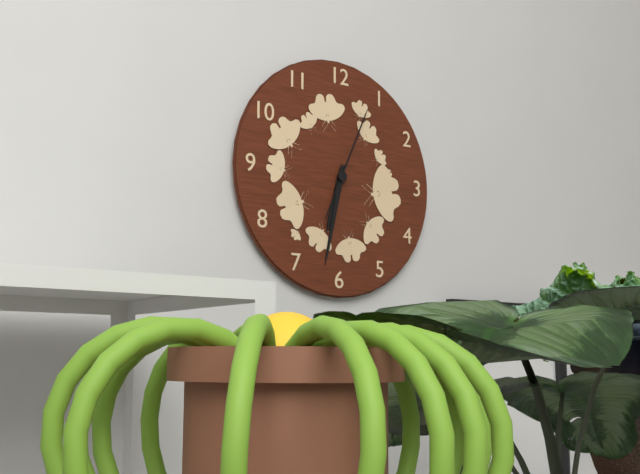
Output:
6 h 32 min 04 s
